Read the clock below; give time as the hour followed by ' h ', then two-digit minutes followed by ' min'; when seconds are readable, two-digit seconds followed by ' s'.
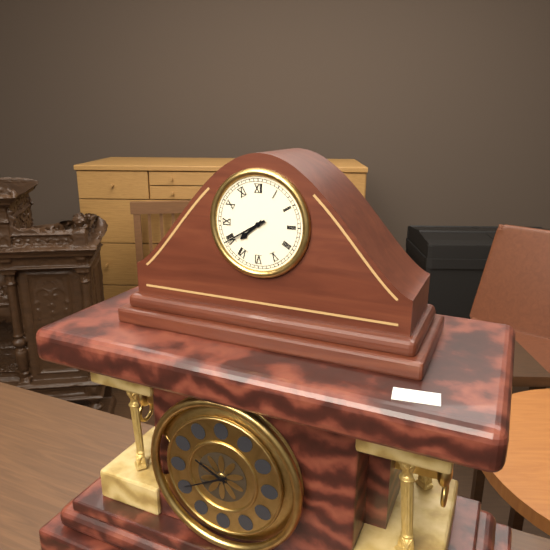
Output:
7 h 40 min
